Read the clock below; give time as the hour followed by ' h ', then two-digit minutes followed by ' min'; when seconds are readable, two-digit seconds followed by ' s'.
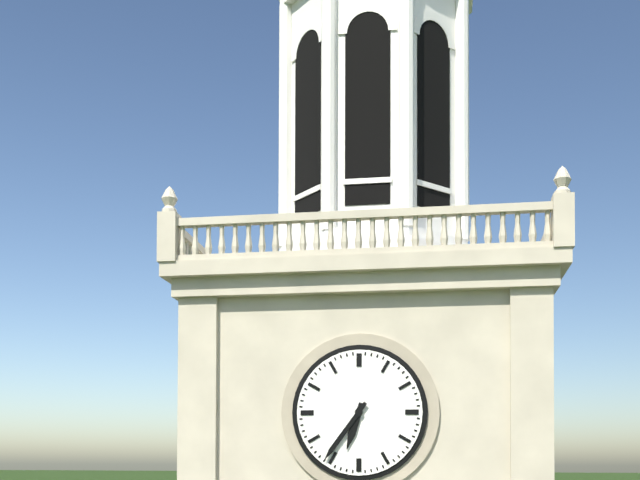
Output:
6 h 36 min
